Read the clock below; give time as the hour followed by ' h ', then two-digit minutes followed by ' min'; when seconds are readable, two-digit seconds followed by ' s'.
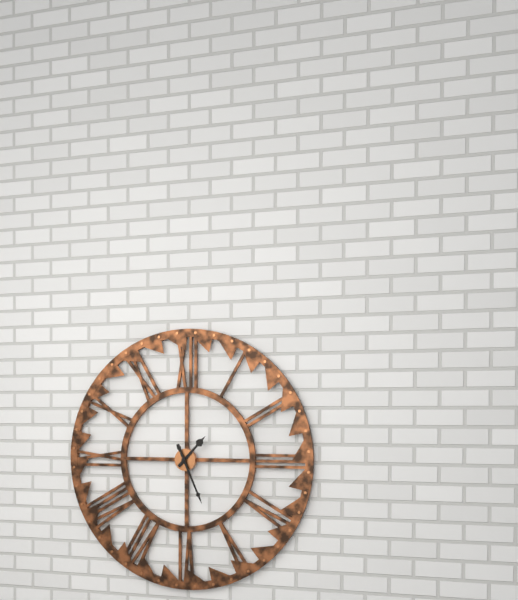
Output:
1 h 26 min
